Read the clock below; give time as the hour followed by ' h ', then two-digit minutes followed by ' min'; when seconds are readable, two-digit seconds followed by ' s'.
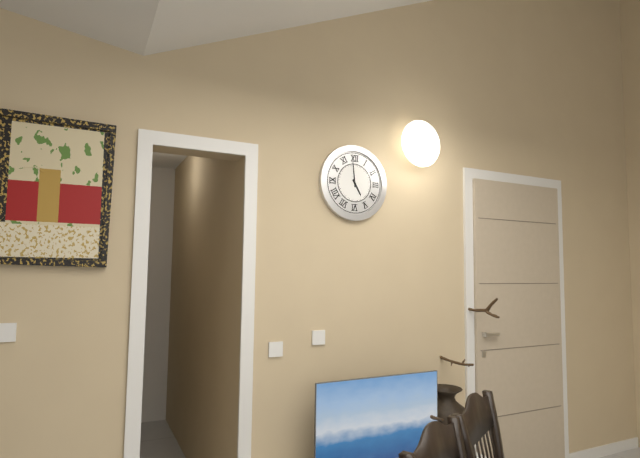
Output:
4 h 59 min
